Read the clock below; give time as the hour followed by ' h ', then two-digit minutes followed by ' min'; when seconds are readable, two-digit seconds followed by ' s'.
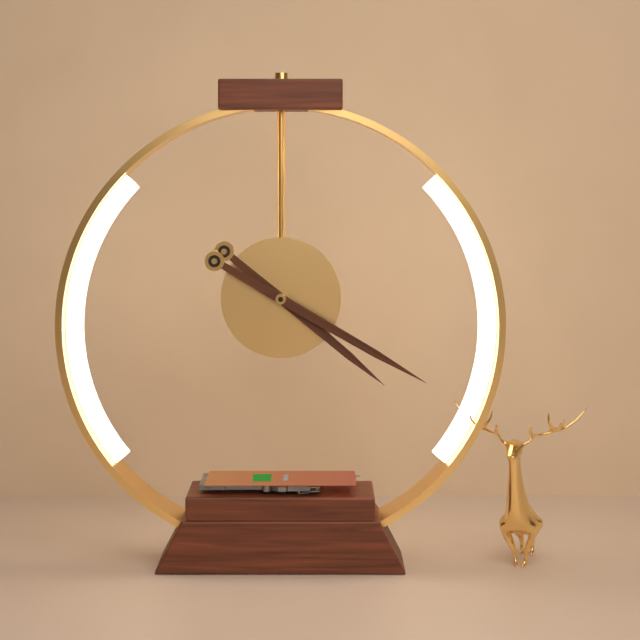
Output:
4 h 20 min
